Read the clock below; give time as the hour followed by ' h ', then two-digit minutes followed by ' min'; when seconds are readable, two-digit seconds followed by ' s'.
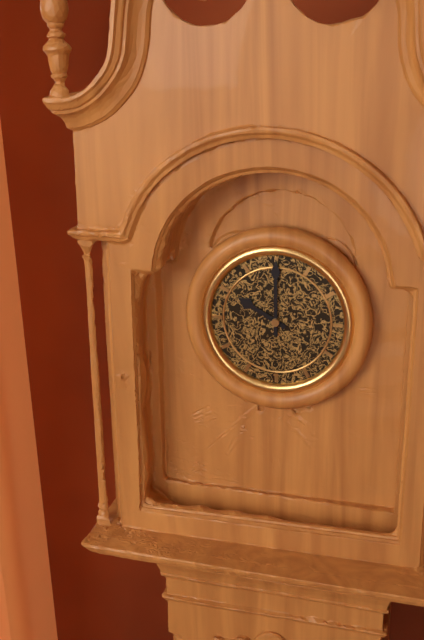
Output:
10 h 00 min
